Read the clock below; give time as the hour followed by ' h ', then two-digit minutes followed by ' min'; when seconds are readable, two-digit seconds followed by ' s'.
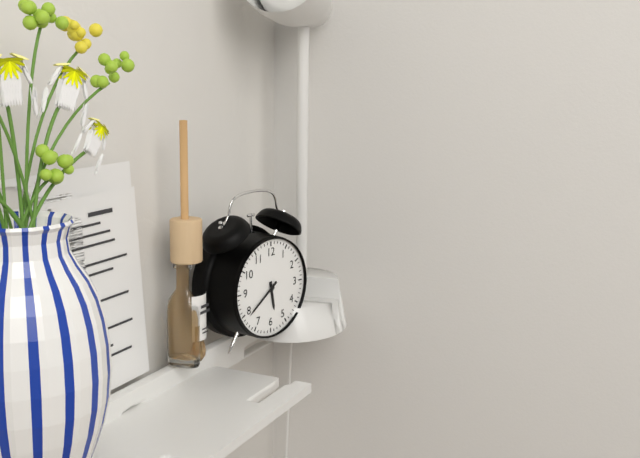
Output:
5 h 39 min
